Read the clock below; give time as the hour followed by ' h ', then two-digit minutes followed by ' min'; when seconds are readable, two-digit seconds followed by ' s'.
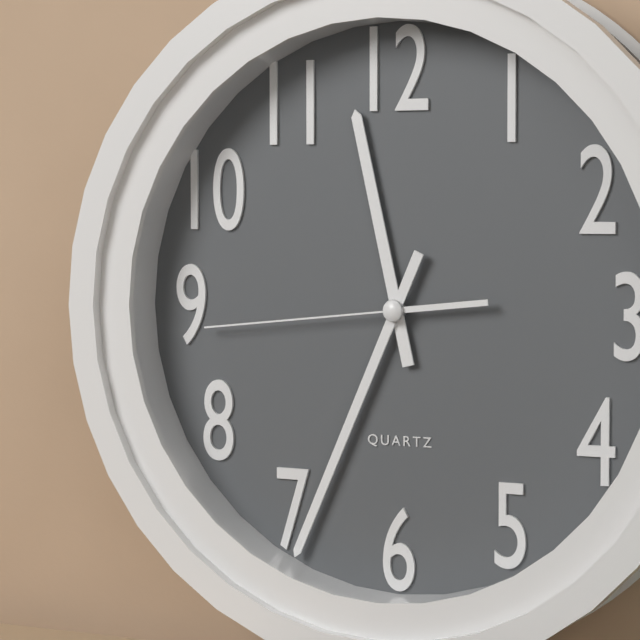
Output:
11 h 34 min 44 s
